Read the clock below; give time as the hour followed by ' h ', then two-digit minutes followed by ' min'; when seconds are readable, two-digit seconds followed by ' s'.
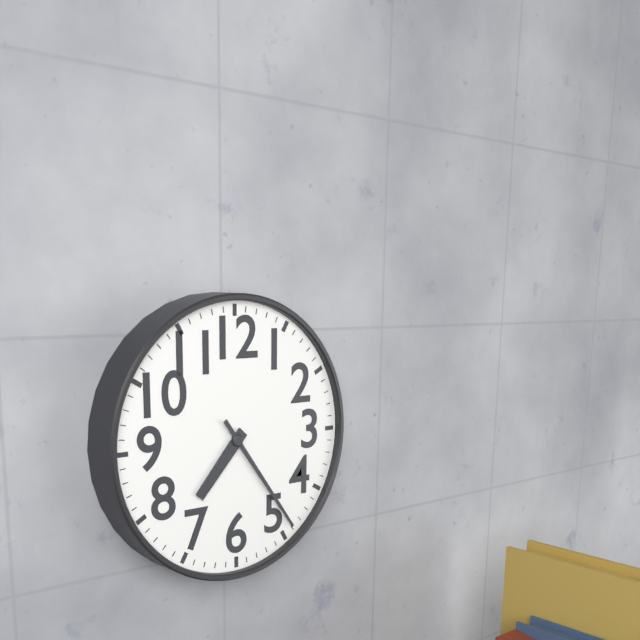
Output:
7 h 24 min
